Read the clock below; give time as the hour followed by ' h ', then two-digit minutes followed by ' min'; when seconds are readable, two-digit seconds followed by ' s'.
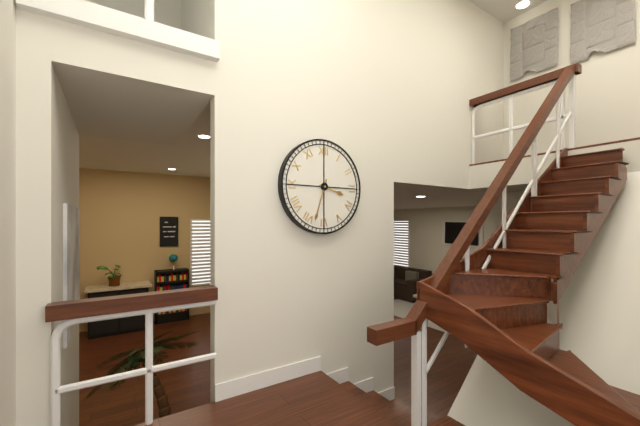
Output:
3 h 33 min
